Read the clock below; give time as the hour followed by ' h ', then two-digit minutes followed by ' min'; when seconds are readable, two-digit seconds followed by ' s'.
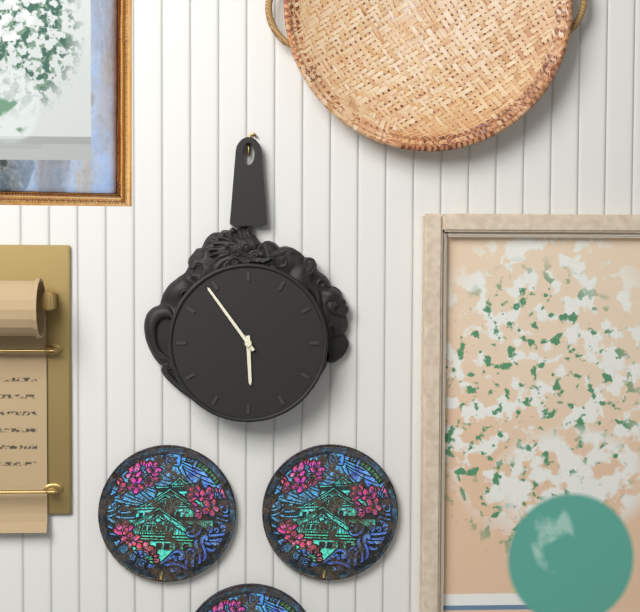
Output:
5 h 54 min
